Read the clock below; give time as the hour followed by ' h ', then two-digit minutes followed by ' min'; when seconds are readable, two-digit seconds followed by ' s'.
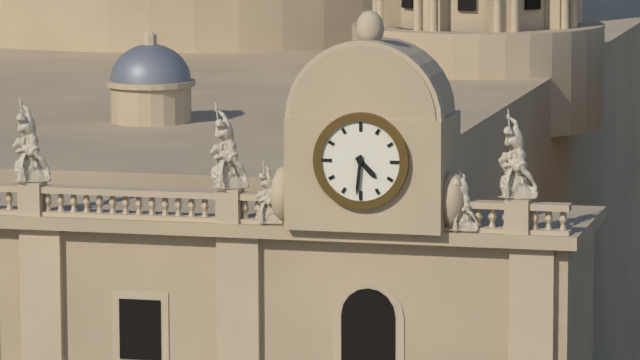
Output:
4 h 31 min
